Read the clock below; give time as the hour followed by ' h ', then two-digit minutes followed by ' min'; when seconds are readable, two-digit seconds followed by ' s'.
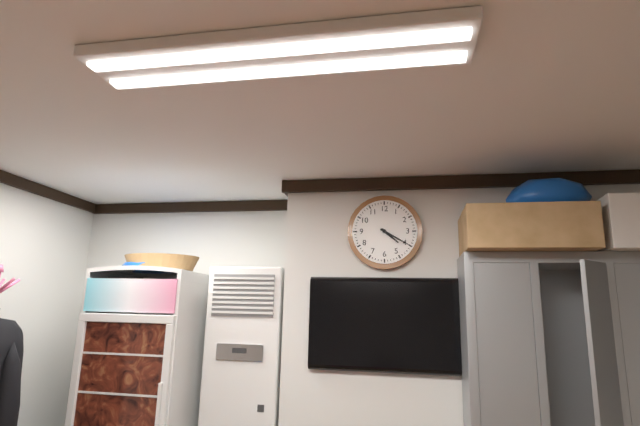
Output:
4 h 20 min
